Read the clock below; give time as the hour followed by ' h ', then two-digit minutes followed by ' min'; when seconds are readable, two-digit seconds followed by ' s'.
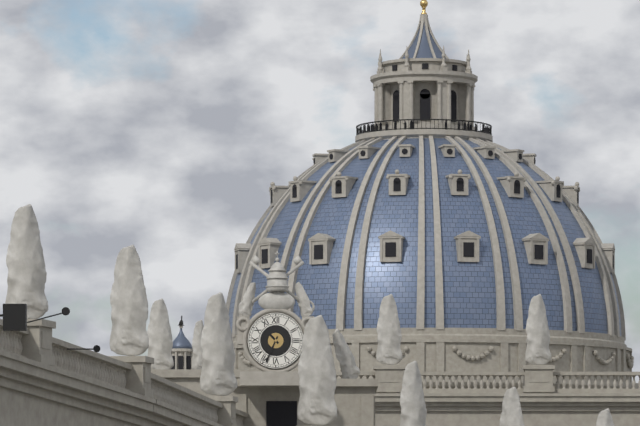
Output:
10 h 34 min
